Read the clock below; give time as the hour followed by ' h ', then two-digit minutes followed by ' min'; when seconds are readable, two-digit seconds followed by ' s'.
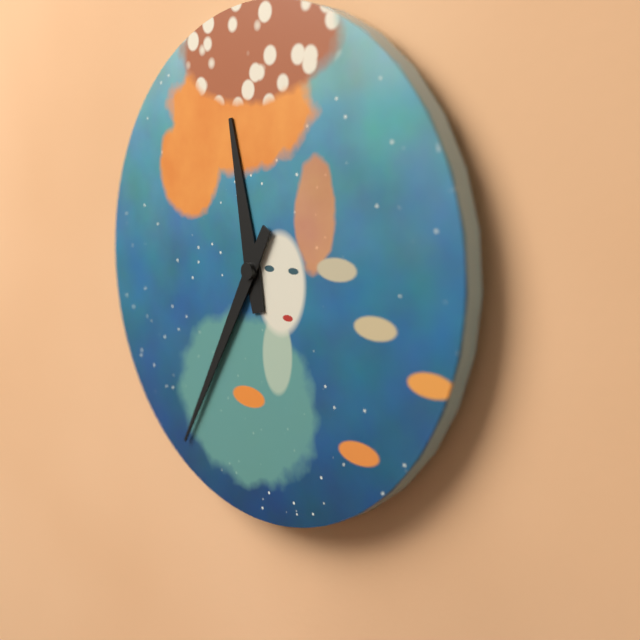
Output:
11 h 35 min
